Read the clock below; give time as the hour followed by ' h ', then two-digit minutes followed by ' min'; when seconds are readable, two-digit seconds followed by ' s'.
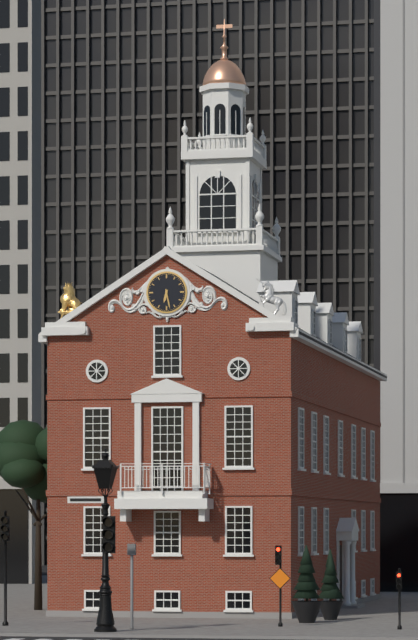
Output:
6 h 28 min
